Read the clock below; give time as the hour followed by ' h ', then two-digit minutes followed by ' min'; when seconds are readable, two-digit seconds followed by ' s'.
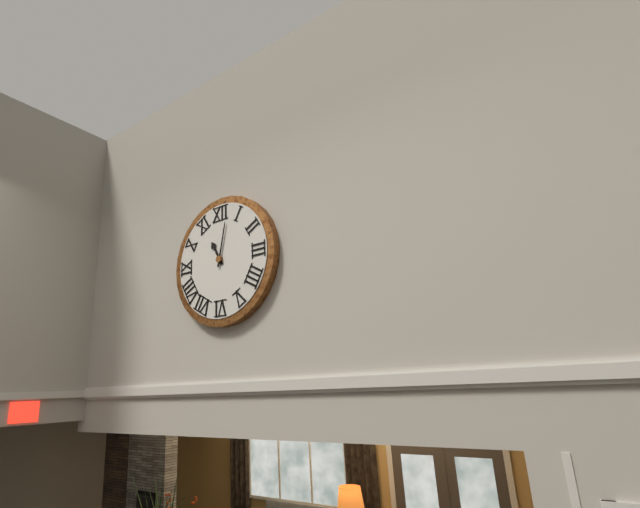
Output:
11 h 02 min
